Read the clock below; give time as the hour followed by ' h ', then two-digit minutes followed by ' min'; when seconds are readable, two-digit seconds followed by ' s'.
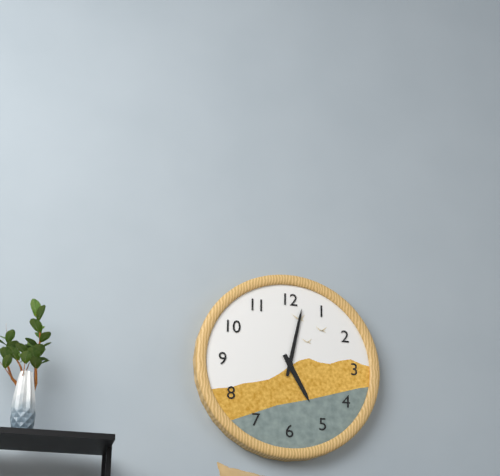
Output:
5 h 02 min
